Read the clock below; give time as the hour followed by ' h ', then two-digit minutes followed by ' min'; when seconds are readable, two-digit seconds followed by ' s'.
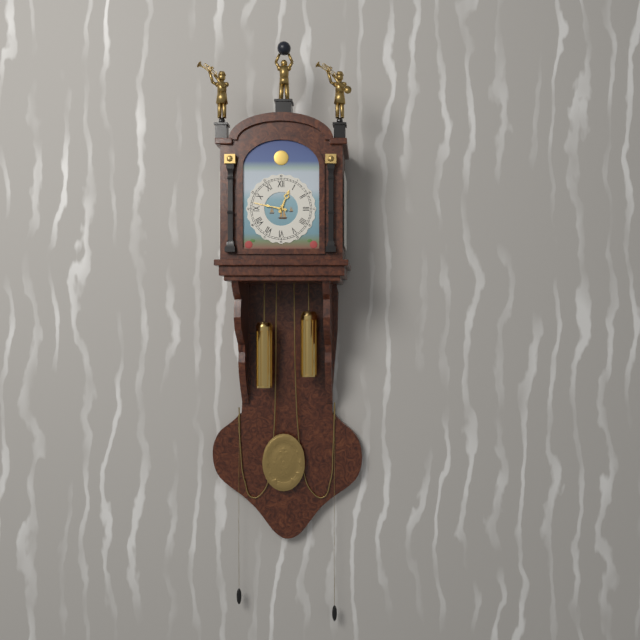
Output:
12 h 47 min
